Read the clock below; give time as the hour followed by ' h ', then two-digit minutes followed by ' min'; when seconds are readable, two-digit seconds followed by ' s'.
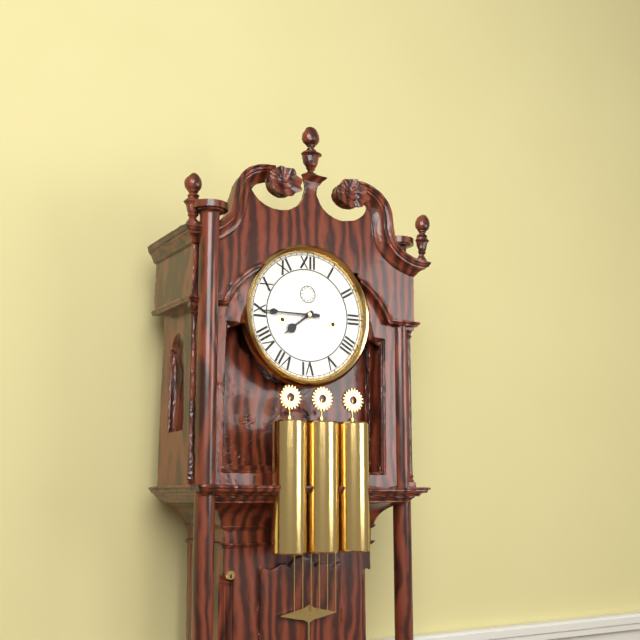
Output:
7 h 45 min
